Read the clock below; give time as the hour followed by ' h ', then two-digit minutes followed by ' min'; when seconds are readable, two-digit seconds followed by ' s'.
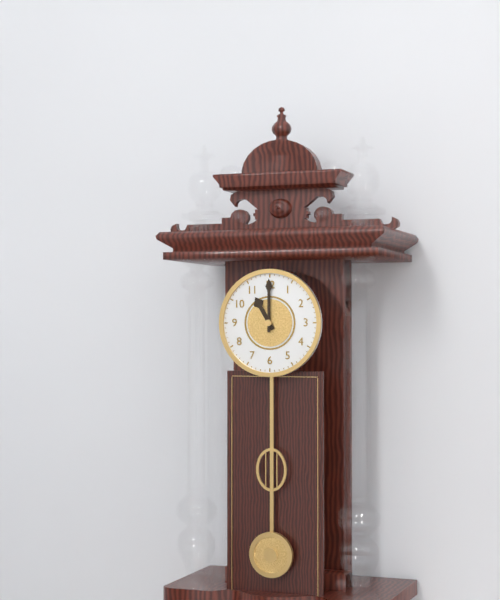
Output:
11 h 00 min
